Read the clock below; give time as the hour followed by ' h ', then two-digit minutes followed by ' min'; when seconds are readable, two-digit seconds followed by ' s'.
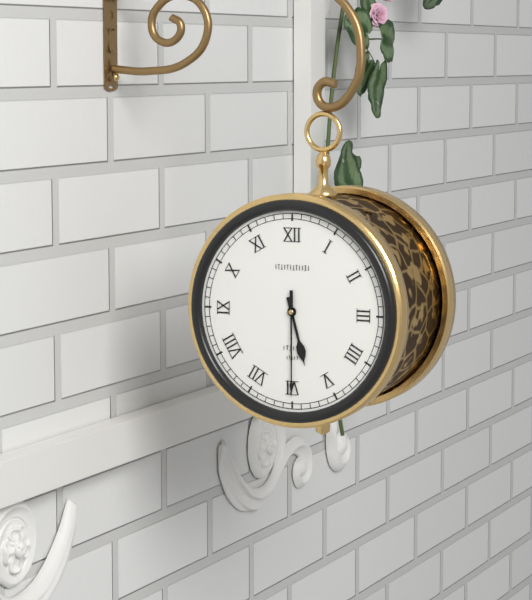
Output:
5 h 30 min
